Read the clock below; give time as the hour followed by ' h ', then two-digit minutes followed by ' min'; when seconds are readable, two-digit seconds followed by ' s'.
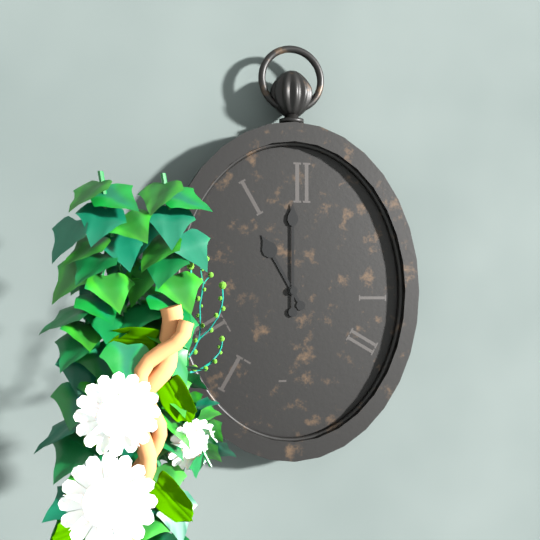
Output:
11 h 00 min
